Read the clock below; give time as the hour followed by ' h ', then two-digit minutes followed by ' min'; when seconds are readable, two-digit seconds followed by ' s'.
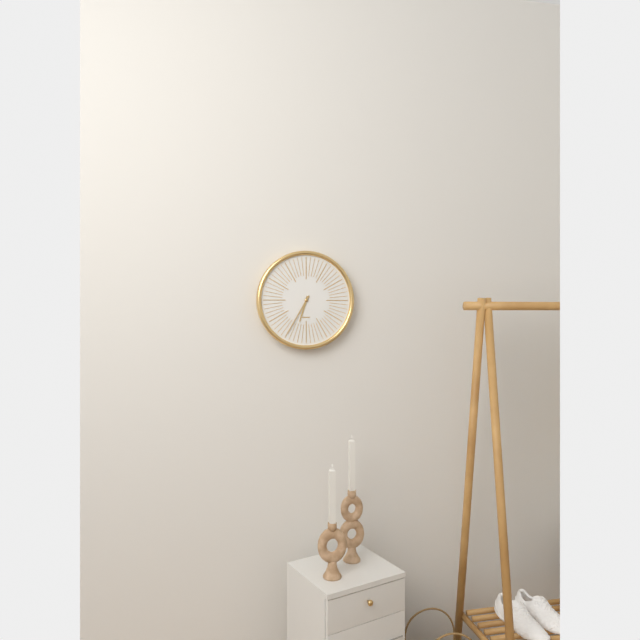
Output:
6 h 35 min
